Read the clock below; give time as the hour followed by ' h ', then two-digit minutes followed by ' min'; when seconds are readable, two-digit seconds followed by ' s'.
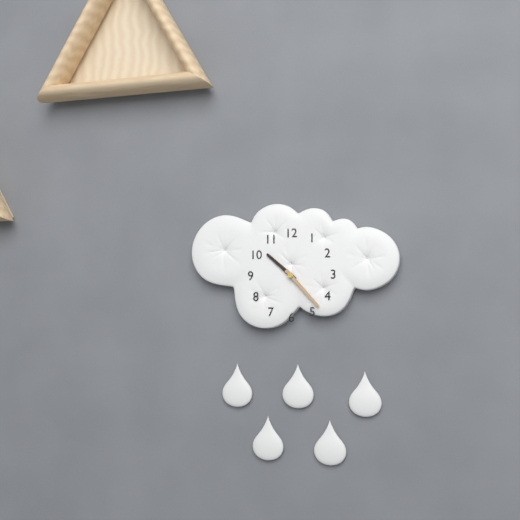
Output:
10 h 23 min
